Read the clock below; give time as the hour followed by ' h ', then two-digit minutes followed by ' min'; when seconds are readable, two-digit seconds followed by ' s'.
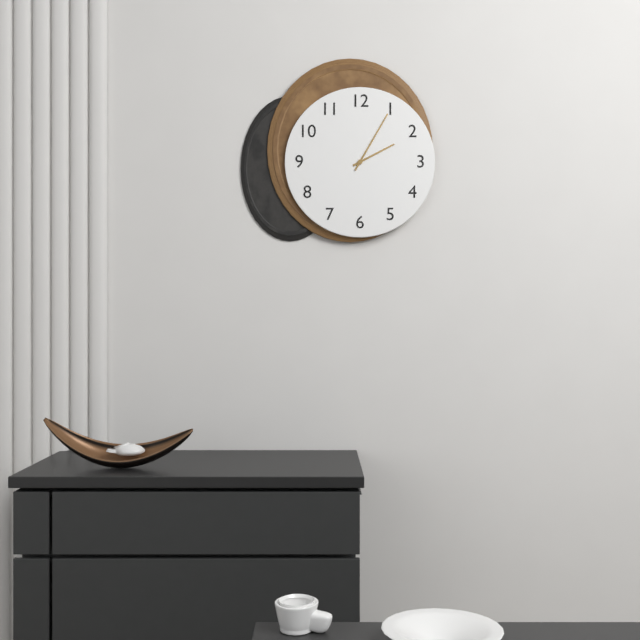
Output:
2 h 05 min
